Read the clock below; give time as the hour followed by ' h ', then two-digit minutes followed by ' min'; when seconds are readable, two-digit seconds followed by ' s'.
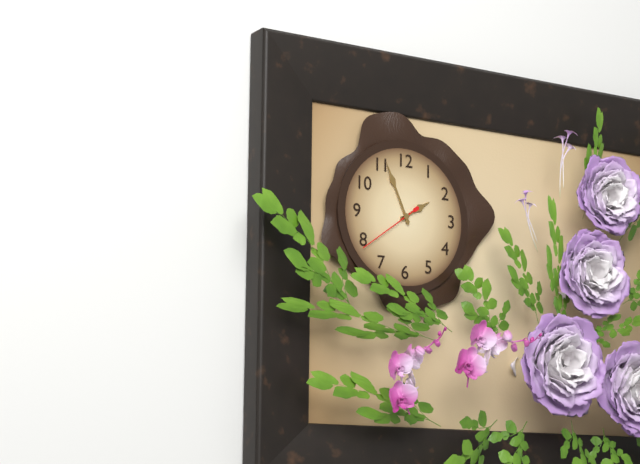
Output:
1 h 56 min 39 s
